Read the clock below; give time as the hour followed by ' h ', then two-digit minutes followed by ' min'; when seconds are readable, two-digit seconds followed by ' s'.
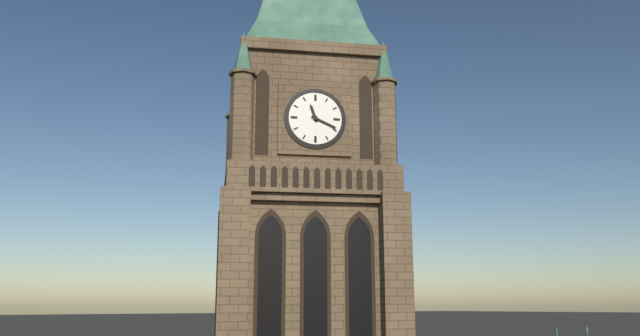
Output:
11 h 19 min
